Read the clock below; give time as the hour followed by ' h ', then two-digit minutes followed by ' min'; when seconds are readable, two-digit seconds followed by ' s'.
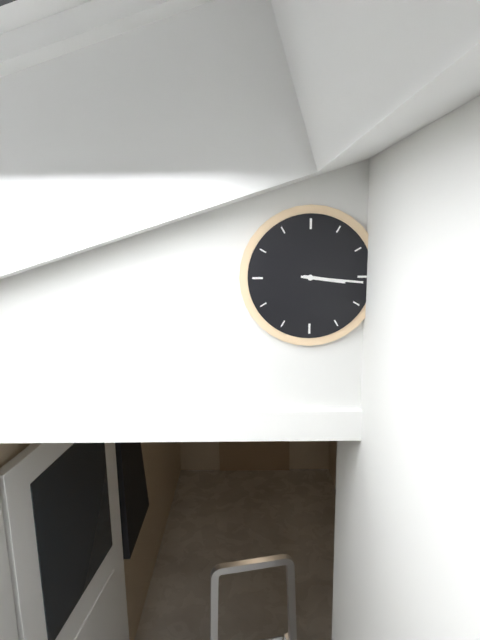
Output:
3 h 16 min
